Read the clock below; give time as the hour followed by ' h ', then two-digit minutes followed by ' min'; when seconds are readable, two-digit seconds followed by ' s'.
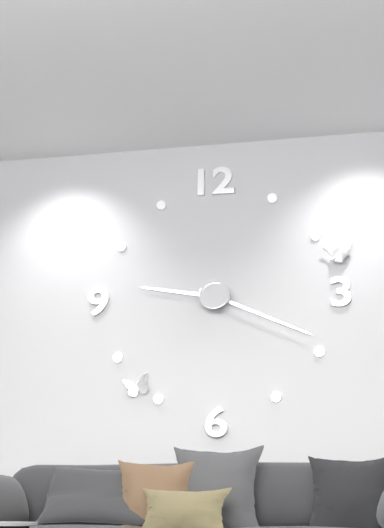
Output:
9 h 19 min
